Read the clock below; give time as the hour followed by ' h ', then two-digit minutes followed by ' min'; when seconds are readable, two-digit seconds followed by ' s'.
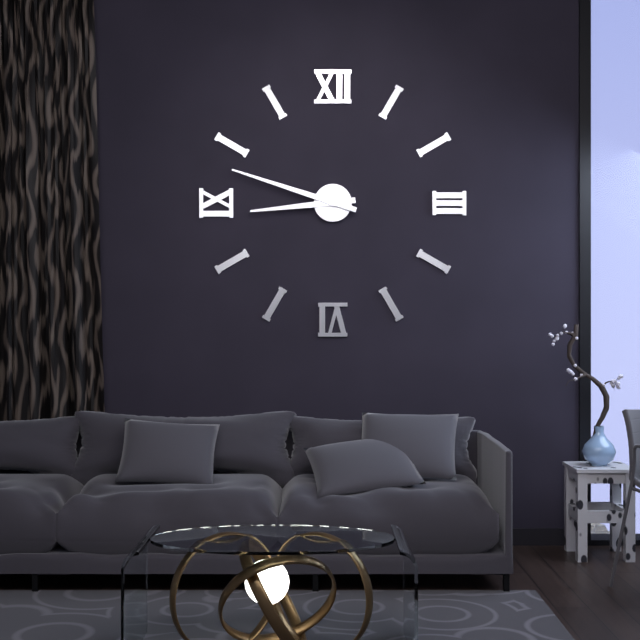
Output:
8 h 48 min
